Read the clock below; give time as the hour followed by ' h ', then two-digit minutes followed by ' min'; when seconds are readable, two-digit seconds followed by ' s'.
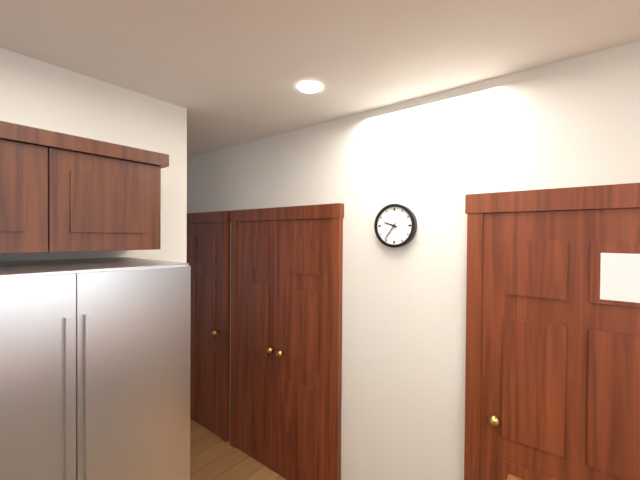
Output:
9 h 36 min
